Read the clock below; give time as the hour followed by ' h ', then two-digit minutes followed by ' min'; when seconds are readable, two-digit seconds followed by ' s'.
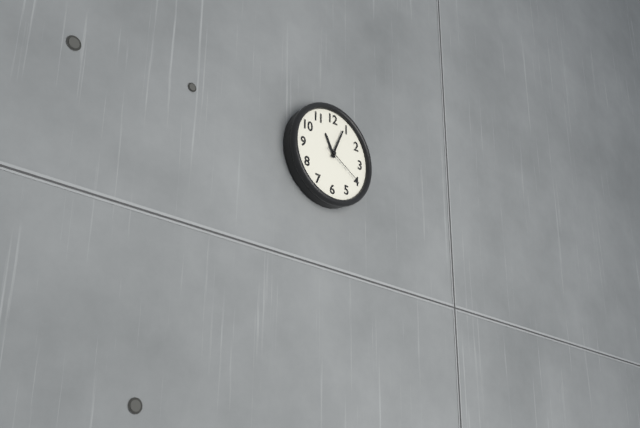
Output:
11 h 04 min
